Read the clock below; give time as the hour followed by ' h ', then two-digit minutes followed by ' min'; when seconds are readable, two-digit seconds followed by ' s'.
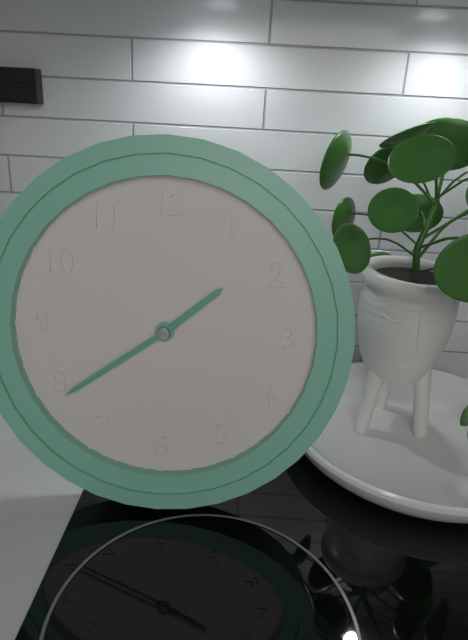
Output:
1 h 39 min
